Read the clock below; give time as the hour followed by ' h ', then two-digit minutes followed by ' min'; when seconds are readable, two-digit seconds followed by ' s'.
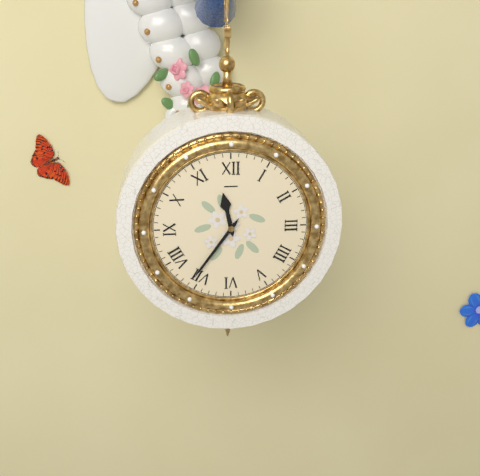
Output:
11 h 36 min
